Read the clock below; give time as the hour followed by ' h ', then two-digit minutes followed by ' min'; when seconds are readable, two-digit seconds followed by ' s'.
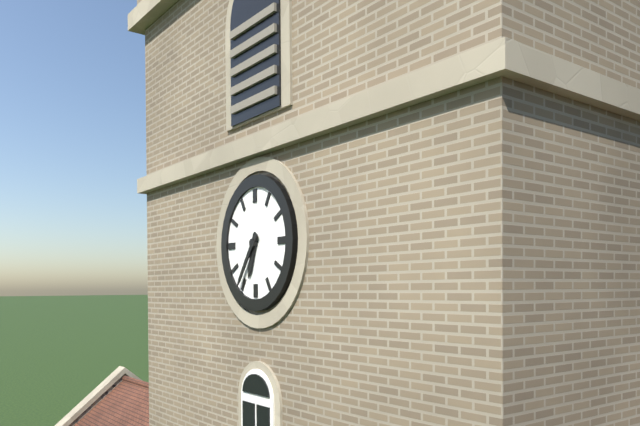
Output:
6 h 36 min
